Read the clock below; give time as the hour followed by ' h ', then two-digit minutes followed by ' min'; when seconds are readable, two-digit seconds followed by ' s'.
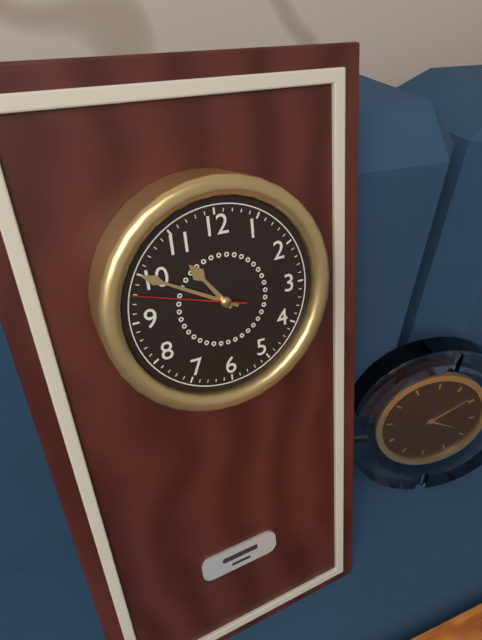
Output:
10 h 50 min 48 s
